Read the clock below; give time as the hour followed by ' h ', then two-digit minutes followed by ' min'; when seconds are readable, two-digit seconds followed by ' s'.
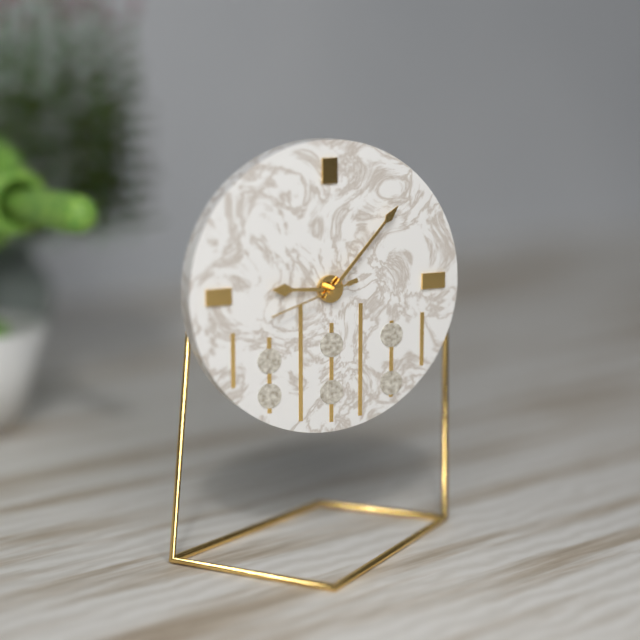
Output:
9 h 07 min 42 s
